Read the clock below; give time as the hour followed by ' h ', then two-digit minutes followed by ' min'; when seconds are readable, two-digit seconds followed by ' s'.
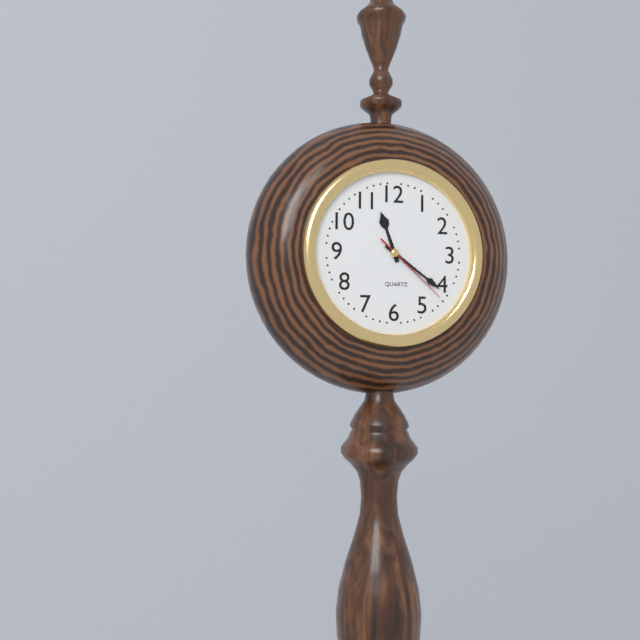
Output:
11 h 21 min 22 s
